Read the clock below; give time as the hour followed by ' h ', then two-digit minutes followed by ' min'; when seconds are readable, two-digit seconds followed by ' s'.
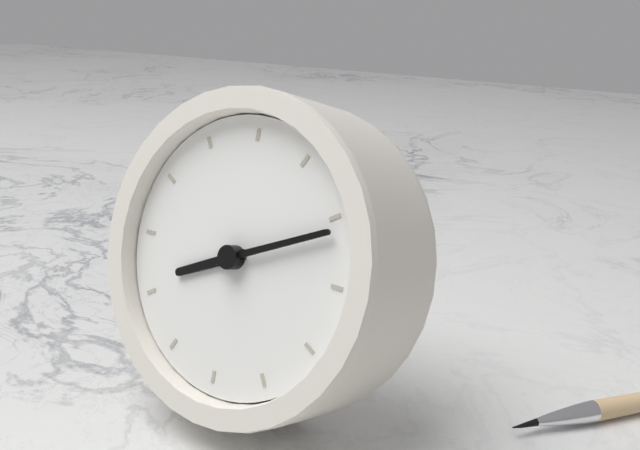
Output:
8 h 11 min
